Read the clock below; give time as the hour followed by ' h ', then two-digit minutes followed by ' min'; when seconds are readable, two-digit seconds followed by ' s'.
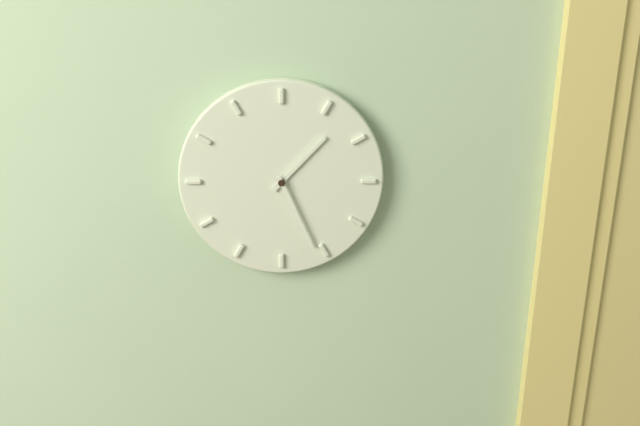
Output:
1 h 26 min
